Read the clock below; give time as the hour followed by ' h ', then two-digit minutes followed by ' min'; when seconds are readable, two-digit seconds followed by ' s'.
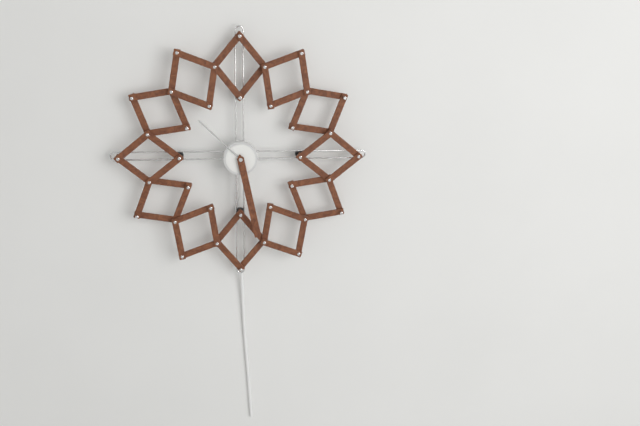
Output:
10 h 28 min
